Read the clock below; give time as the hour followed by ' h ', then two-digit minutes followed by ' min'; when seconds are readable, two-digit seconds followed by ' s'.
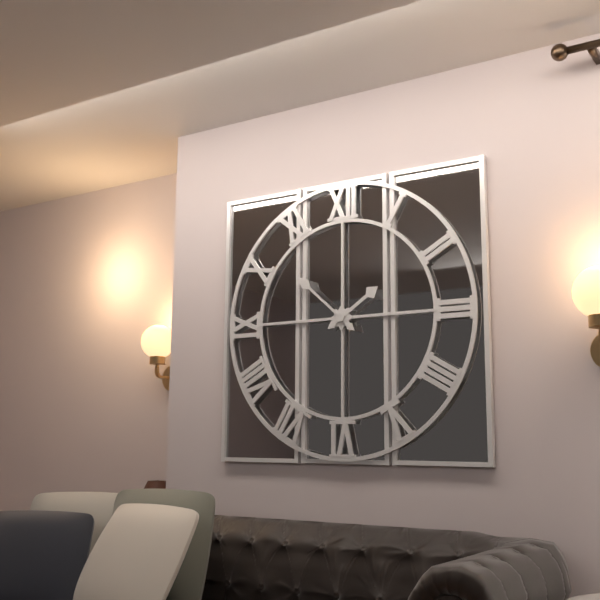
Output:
1 h 52 min
